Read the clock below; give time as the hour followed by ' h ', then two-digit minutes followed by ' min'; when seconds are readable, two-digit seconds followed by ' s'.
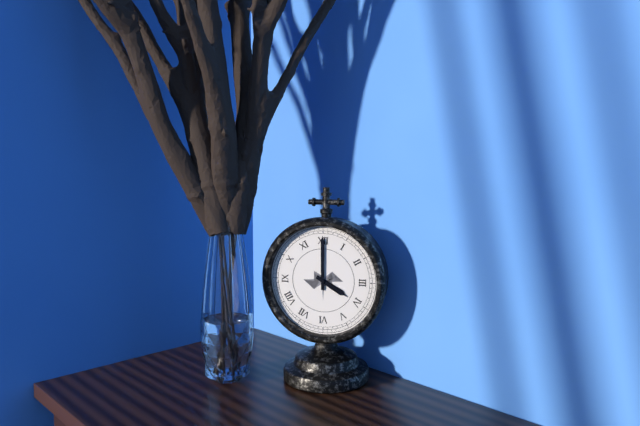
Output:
4 h 00 min
